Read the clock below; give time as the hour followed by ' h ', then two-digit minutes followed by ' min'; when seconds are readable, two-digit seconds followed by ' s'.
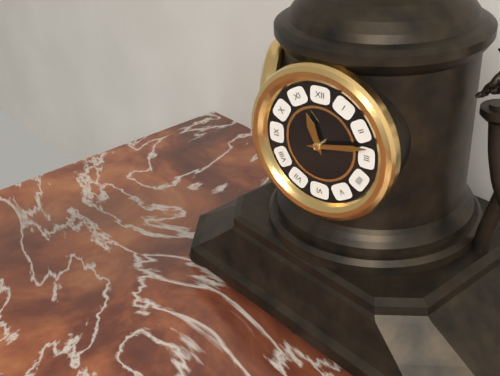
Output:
11 h 13 min
